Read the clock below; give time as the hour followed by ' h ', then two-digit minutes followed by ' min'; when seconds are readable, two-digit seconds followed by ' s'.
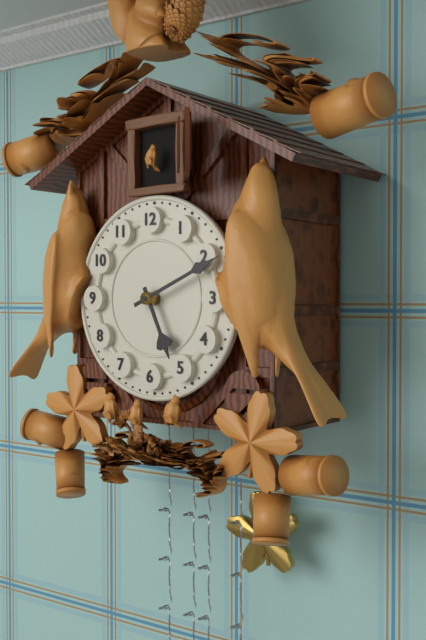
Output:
5 h 11 min
